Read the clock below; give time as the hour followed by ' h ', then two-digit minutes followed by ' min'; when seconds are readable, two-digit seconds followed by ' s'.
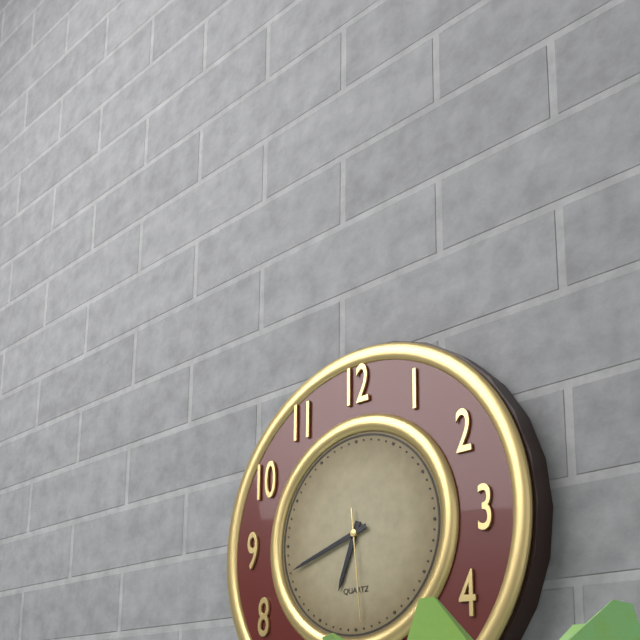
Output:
6 h 42 min 29 s
